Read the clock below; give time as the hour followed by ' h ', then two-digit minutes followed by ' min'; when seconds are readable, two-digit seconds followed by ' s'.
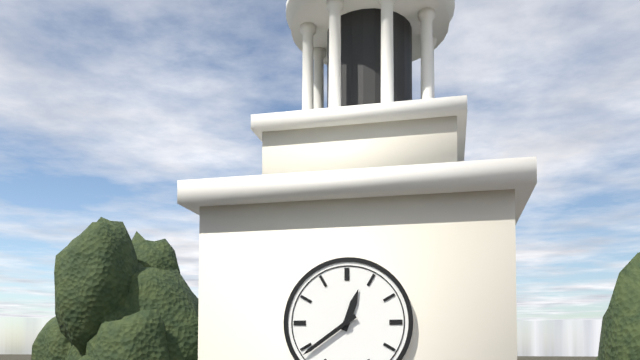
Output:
12 h 39 min
